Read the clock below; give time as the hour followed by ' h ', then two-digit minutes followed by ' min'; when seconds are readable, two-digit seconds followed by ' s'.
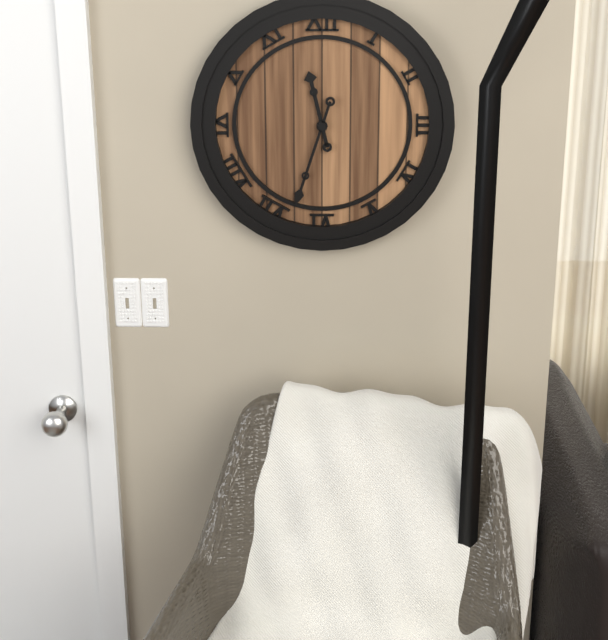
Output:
11 h 33 min
